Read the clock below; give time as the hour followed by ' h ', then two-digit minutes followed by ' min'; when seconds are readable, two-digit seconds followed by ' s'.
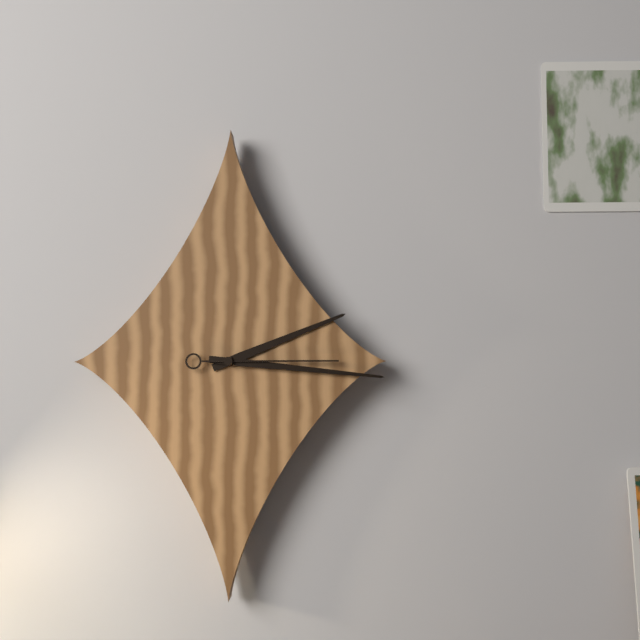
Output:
2 h 16 min 15 s
